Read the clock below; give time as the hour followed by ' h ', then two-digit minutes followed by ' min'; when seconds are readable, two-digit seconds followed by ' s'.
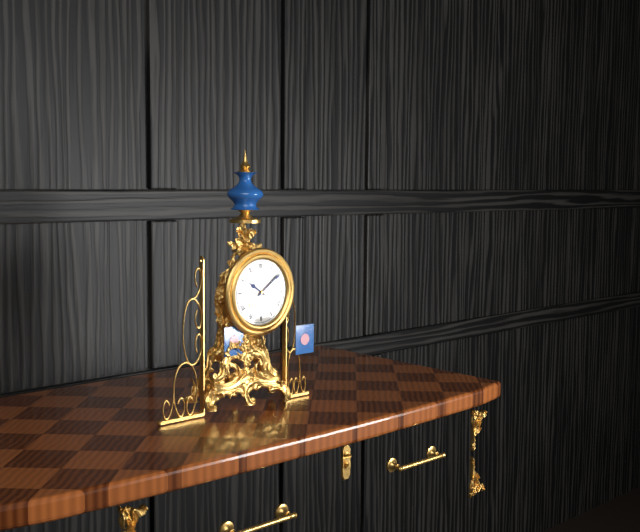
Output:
10 h 09 min
